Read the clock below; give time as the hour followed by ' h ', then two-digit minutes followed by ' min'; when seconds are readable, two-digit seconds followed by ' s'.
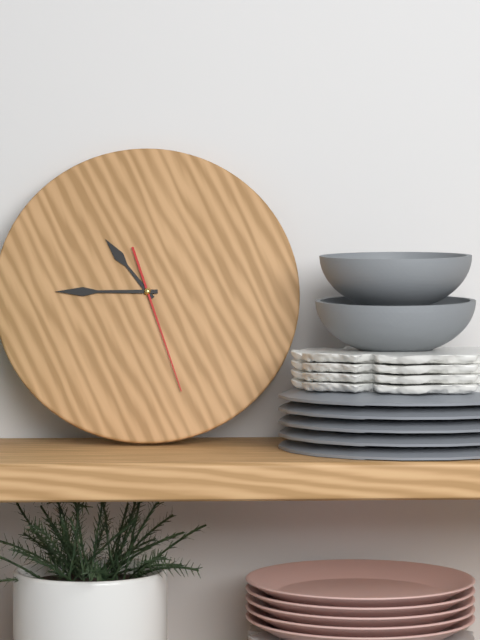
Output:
10 h 45 min 27 s
